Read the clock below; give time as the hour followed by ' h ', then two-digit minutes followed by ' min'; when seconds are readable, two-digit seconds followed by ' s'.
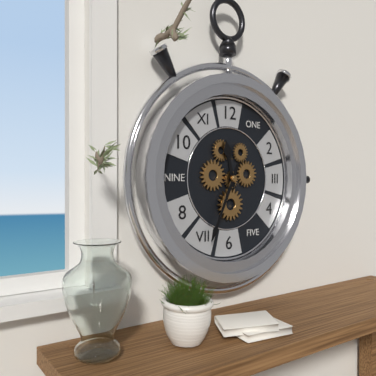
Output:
11 h 34 min
